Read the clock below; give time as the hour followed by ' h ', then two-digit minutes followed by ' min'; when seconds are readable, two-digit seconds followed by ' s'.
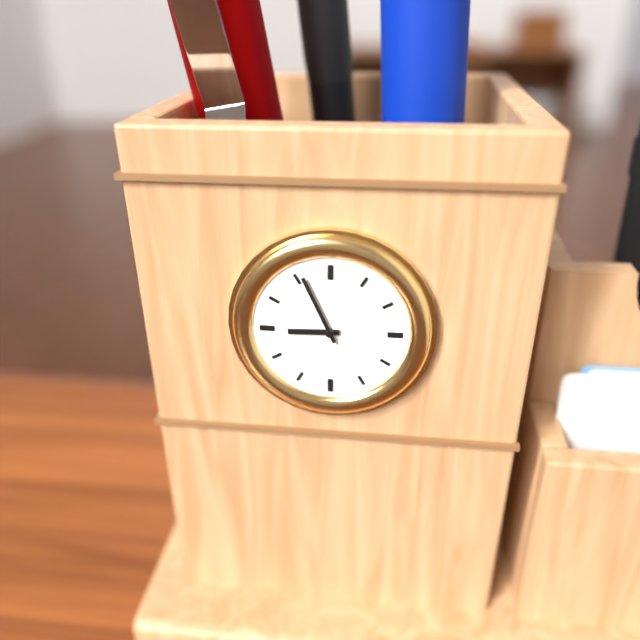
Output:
8 h 56 min
